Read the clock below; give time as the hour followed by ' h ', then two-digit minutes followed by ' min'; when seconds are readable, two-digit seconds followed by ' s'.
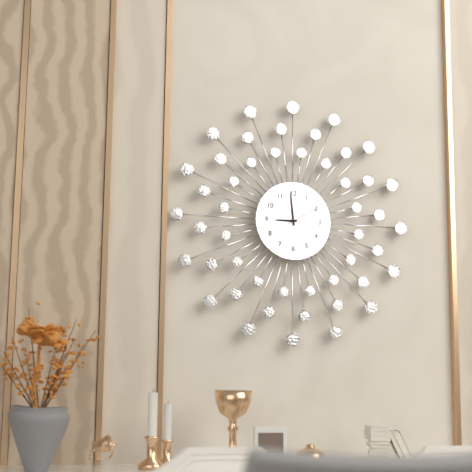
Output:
8 h 59 min
